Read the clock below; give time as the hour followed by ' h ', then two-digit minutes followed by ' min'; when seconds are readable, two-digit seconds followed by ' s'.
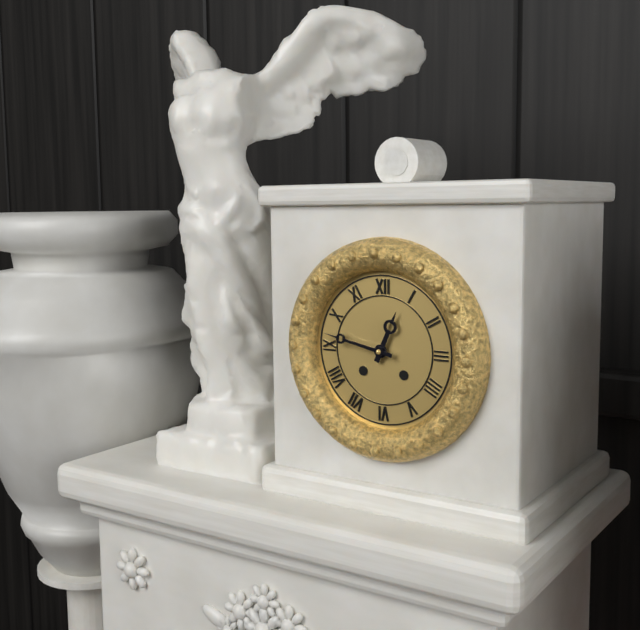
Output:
12 h 47 min
